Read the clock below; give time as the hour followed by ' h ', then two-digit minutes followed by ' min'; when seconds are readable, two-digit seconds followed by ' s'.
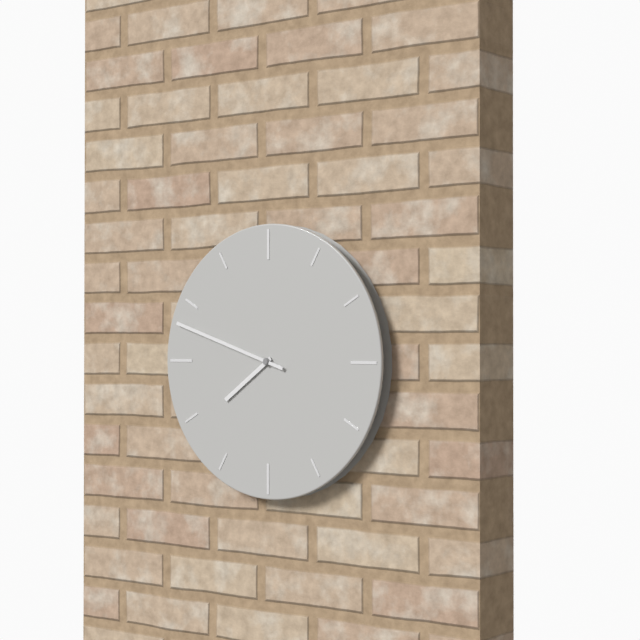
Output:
7 h 48 min
